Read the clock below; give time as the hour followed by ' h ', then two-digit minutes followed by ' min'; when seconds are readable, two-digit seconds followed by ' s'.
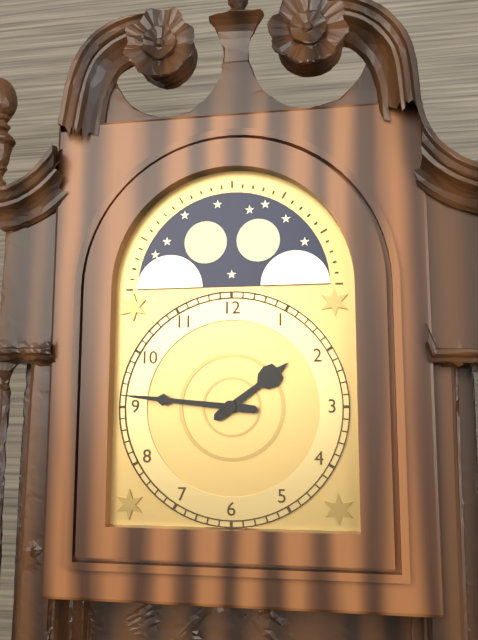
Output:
1 h 46 min
